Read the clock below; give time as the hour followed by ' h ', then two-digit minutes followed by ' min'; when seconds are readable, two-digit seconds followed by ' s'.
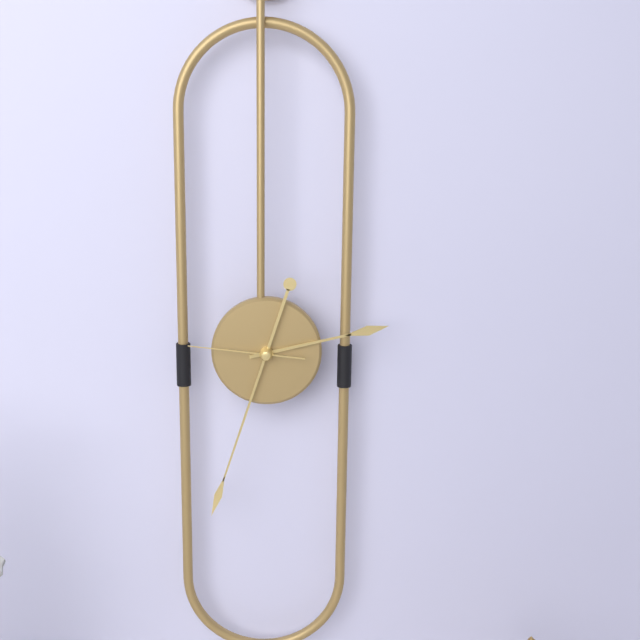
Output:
2 h 33 min 46 s
